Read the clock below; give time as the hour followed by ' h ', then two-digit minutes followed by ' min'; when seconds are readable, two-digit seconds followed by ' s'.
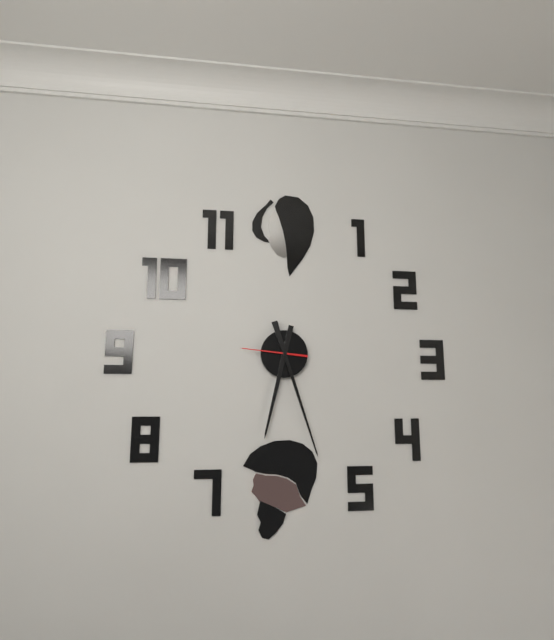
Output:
6 h 27 min 46 s
